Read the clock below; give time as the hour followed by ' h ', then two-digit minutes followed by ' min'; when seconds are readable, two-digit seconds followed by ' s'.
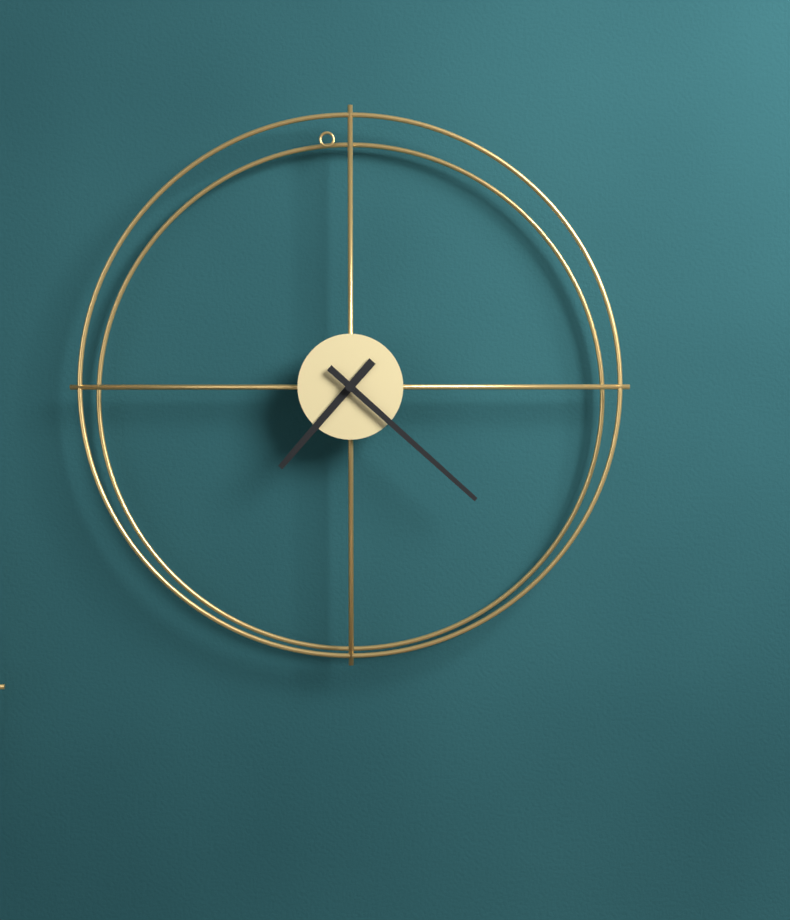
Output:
7 h 22 min
